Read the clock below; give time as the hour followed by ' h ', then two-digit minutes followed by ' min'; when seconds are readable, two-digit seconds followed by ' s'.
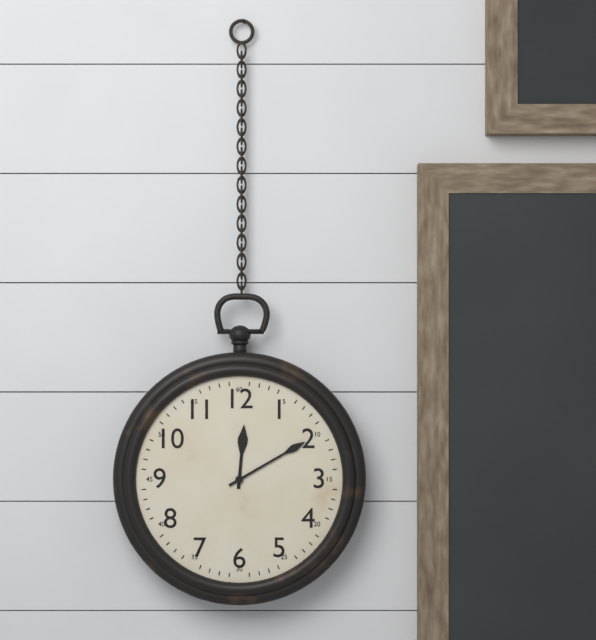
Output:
12 h 10 min
